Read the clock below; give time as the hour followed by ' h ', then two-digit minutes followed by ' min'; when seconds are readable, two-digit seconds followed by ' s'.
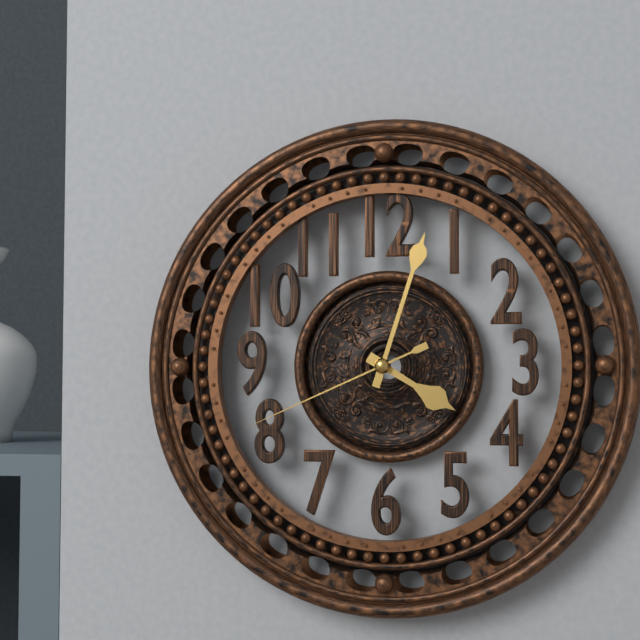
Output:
4 h 03 min 41 s
